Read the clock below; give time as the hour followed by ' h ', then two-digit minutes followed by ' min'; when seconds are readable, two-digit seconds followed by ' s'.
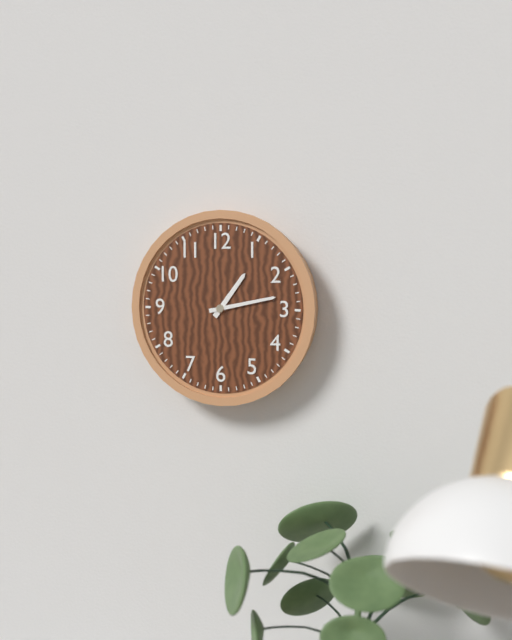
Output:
1 h 13 min
